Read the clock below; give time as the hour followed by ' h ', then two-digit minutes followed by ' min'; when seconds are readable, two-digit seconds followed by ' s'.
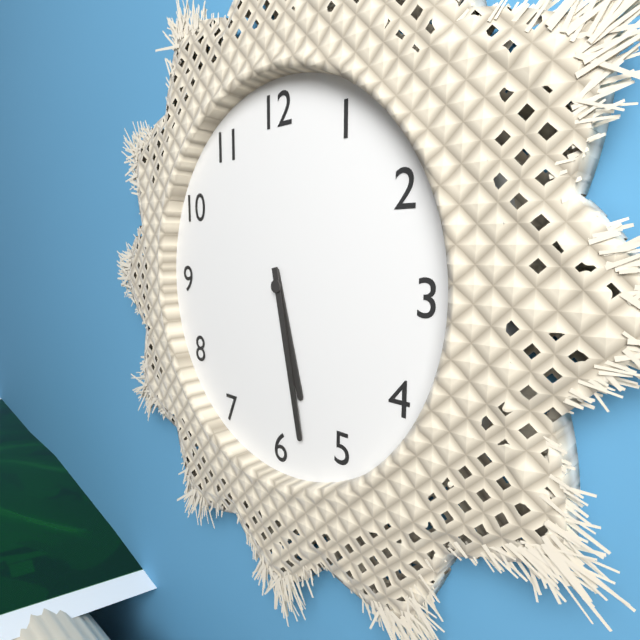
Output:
5 h 28 min
